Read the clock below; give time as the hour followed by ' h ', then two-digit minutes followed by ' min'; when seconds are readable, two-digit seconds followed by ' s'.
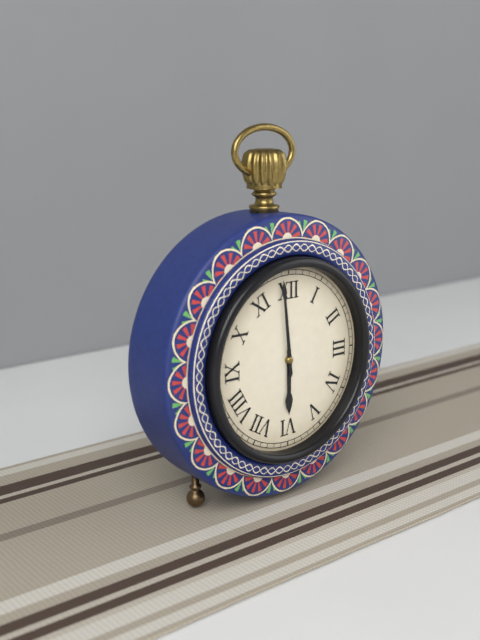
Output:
5 h 59 min
